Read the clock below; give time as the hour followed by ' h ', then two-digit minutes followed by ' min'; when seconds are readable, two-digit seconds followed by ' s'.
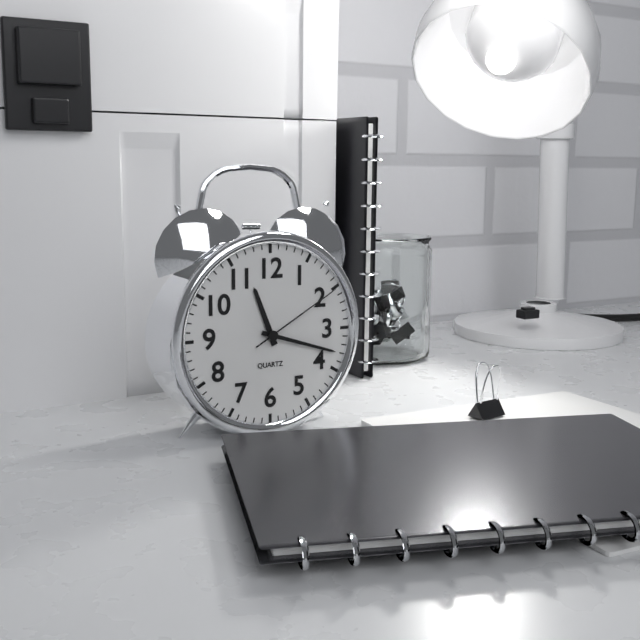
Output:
11 h 18 min 10 s
